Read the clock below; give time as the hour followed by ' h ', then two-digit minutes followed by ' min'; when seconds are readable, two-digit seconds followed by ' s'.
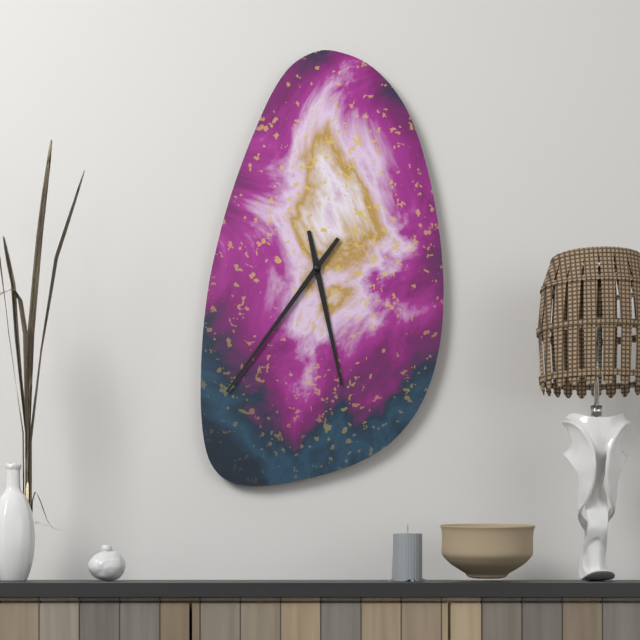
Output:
5 h 36 min
